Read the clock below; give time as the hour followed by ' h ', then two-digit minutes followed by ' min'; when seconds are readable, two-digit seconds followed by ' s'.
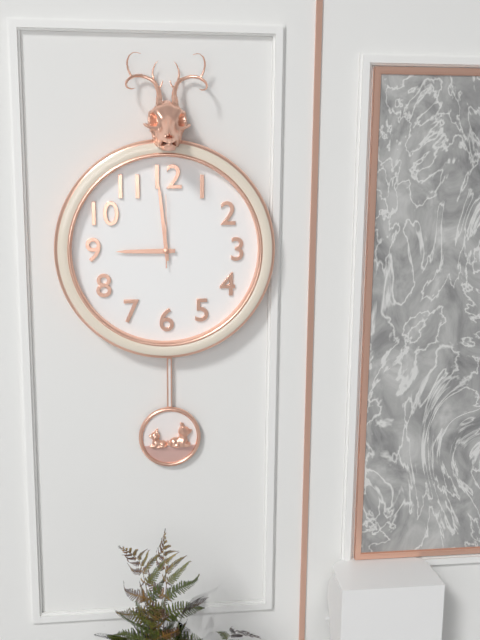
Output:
8 h 59 min 00 s
